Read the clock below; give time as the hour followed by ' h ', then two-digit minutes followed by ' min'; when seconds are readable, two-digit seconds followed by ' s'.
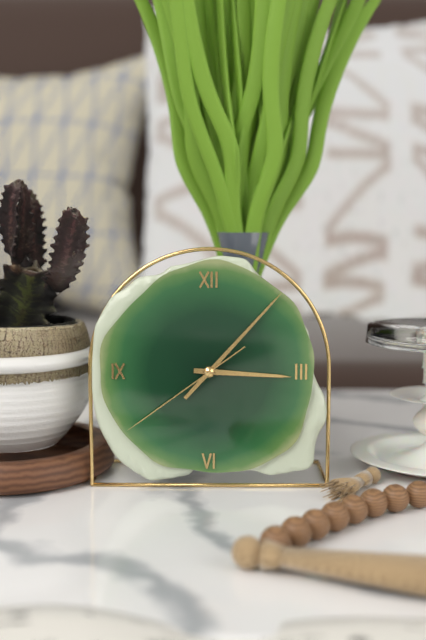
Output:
3 h 07 min 39 s
